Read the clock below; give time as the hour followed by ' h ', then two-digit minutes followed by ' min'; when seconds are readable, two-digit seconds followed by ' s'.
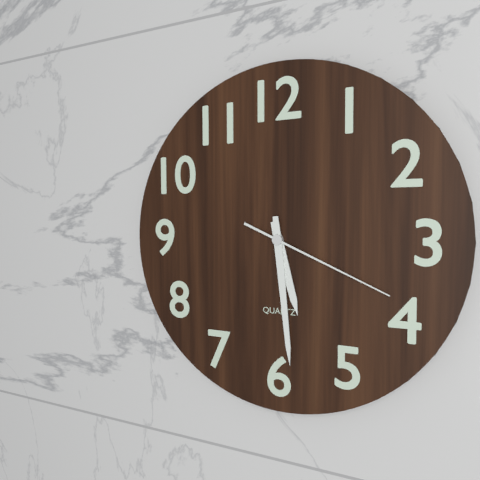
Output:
5 h 29 min 19 s
